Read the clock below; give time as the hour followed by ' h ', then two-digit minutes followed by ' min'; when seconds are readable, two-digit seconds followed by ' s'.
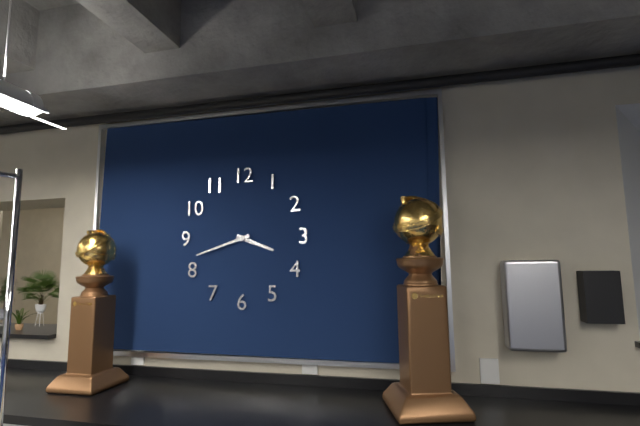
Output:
3 h 42 min
